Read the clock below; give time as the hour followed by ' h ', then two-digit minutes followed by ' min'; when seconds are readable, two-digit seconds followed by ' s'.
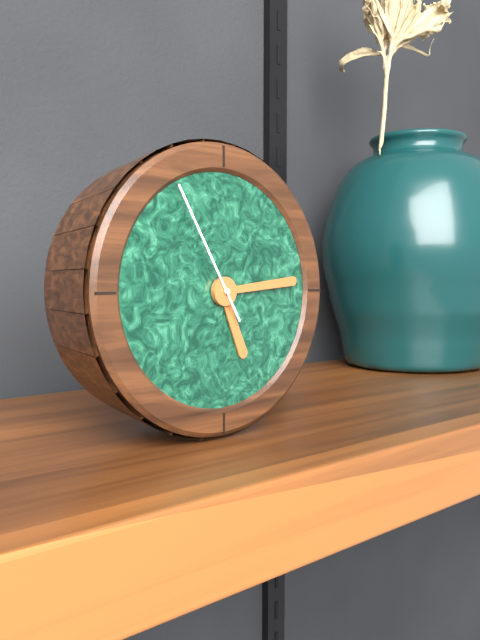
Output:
5 h 14 min 55 s
